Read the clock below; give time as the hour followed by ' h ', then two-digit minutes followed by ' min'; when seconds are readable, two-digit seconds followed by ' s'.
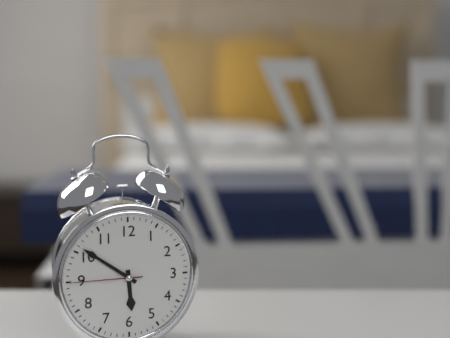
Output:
5 h 51 min 45 s
